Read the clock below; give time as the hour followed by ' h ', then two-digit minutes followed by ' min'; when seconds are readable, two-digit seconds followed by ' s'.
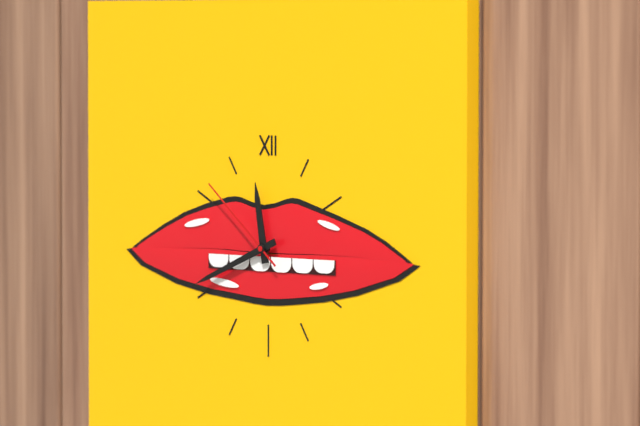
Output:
11 h 41 min 52 s
